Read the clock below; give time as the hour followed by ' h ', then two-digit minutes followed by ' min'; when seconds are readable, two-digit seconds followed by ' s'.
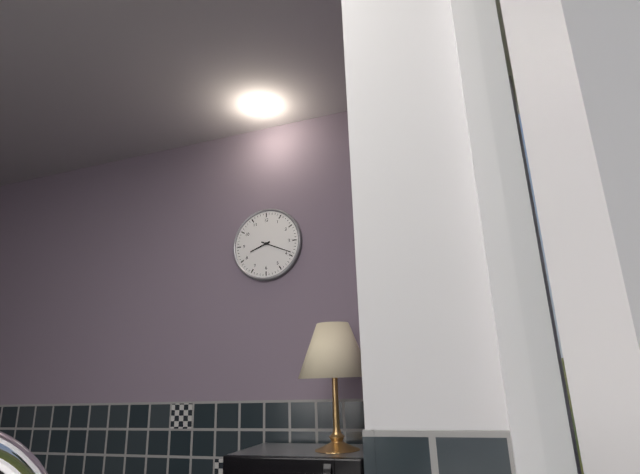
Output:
8 h 19 min
